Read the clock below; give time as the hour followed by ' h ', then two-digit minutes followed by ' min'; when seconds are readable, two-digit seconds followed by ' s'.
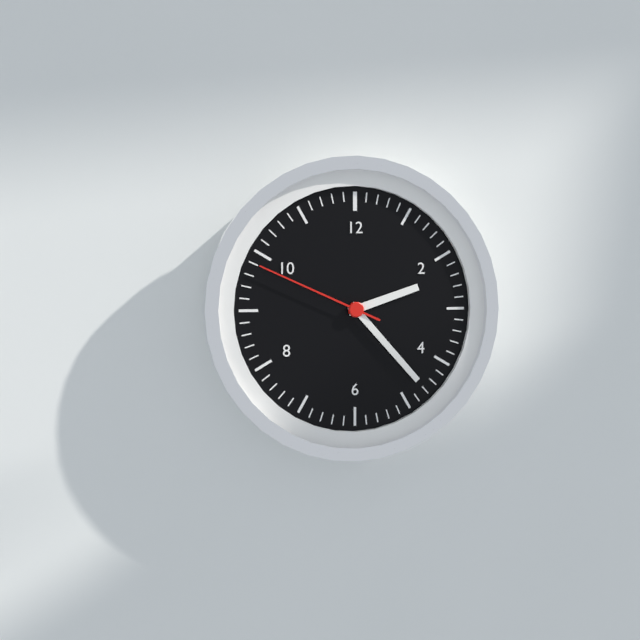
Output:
2 h 23 min 49 s
